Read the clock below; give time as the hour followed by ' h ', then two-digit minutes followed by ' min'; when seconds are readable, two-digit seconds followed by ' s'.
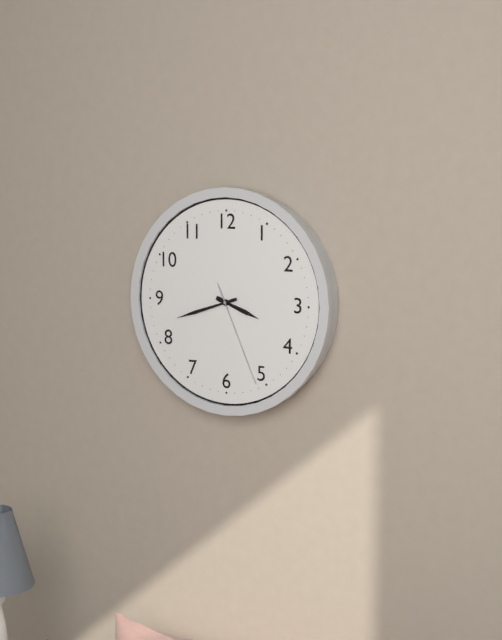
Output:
3 h 42 min 26 s
